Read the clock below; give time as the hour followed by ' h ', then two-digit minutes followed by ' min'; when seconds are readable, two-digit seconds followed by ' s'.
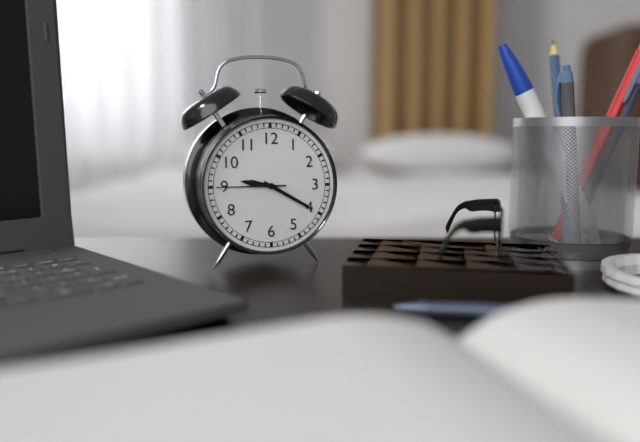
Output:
9 h 20 min 45 s
